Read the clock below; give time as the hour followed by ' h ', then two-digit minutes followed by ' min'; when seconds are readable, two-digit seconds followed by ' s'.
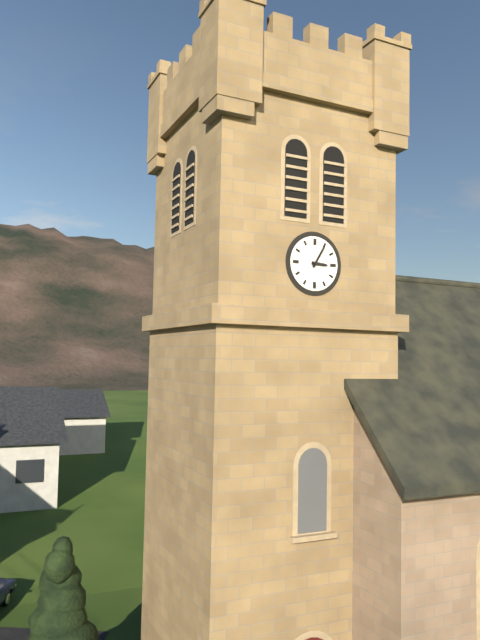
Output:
3 h 05 min
